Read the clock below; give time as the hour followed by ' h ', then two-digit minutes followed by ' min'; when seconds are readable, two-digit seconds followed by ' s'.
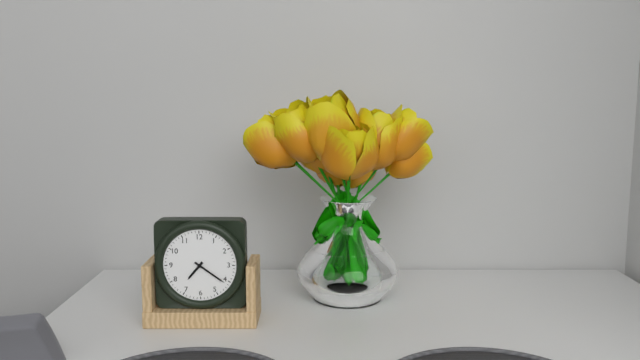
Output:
7 h 21 min
